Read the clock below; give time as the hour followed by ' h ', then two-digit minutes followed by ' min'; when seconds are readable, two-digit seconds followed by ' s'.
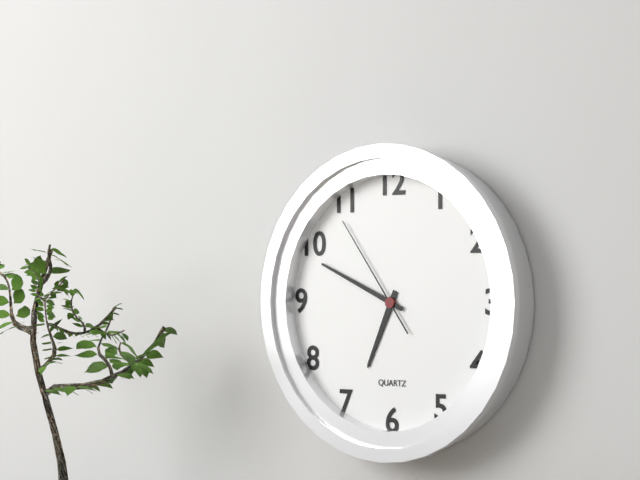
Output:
6 h 49 min 54 s
